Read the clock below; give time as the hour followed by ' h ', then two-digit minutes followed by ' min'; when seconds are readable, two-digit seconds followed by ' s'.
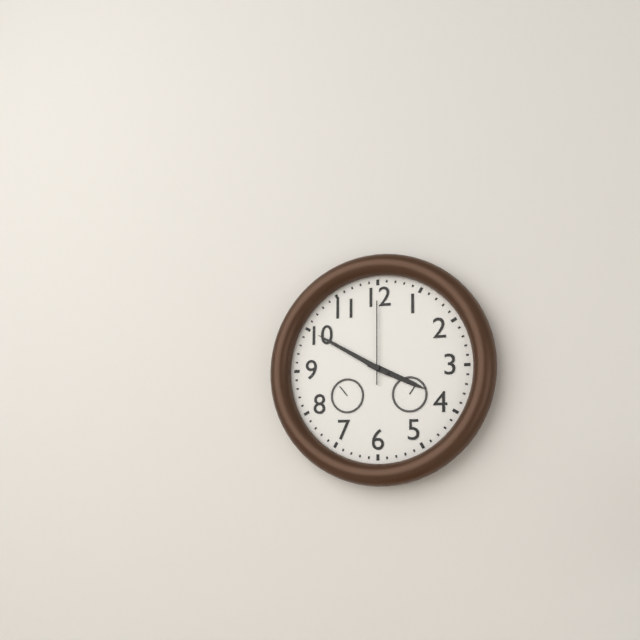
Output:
3 h 50 min 00 s
